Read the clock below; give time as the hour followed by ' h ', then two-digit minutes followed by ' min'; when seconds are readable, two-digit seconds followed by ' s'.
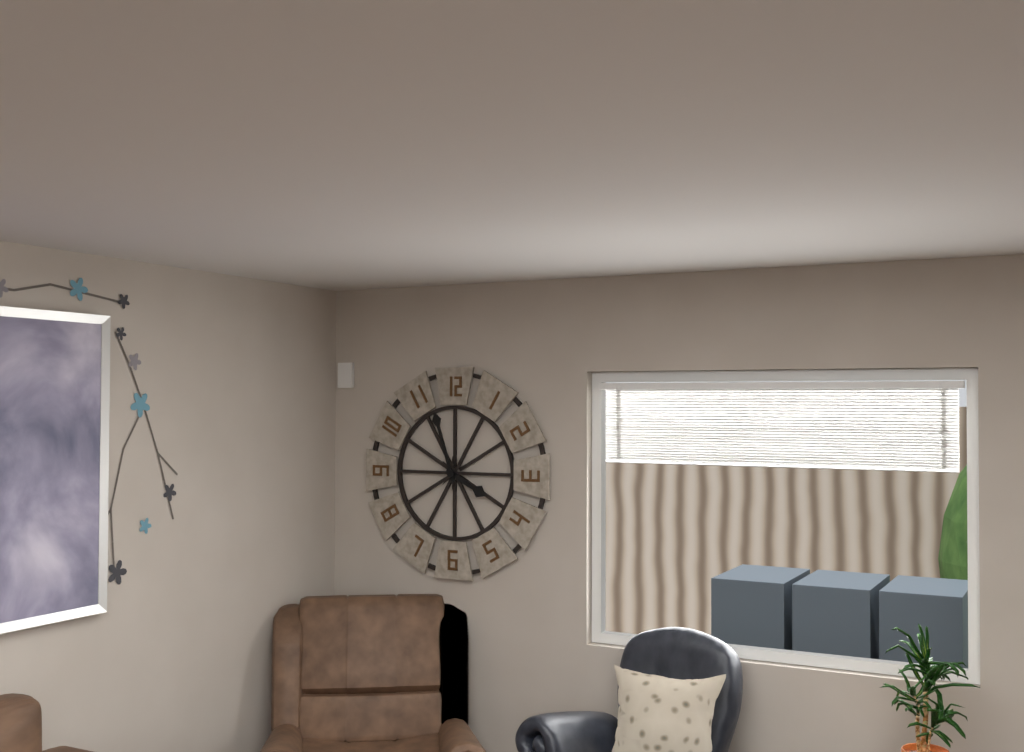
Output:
3 h 57 min
